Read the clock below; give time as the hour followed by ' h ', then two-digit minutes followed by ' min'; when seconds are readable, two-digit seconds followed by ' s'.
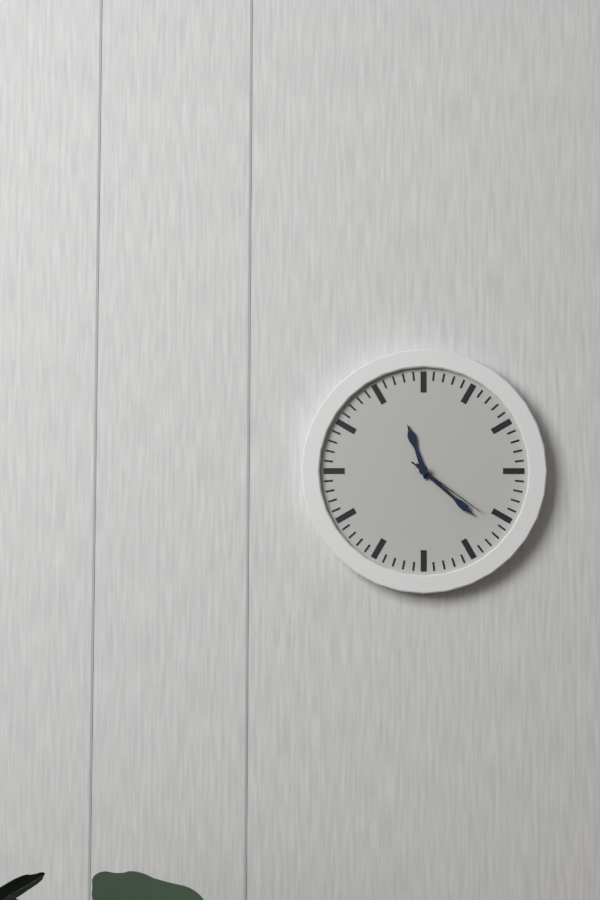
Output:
11 h 22 min 21 s
